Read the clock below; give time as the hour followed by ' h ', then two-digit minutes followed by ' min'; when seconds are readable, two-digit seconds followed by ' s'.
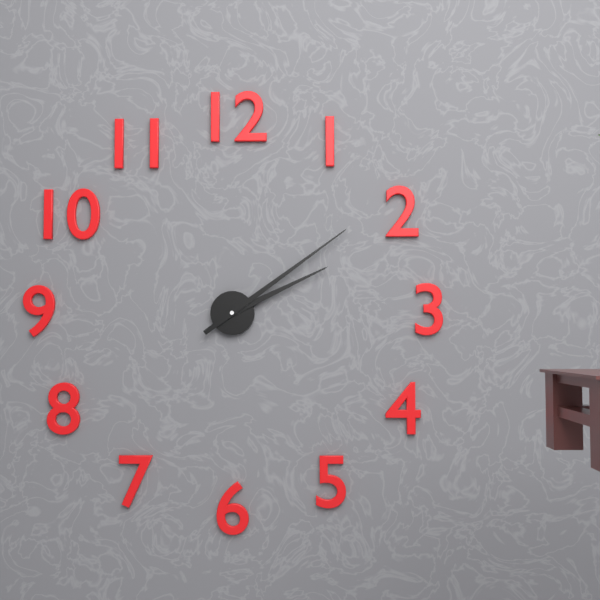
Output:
2 h 09 min
